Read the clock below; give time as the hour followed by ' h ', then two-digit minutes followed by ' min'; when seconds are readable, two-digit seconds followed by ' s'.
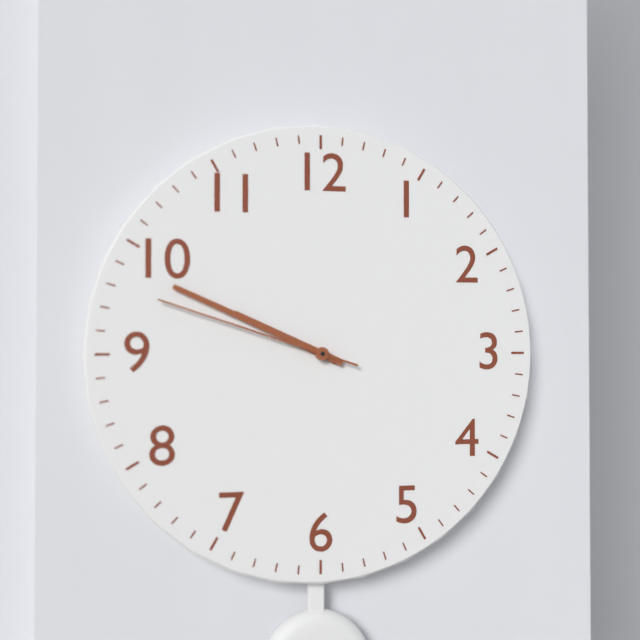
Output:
9 h 49 min 48 s
